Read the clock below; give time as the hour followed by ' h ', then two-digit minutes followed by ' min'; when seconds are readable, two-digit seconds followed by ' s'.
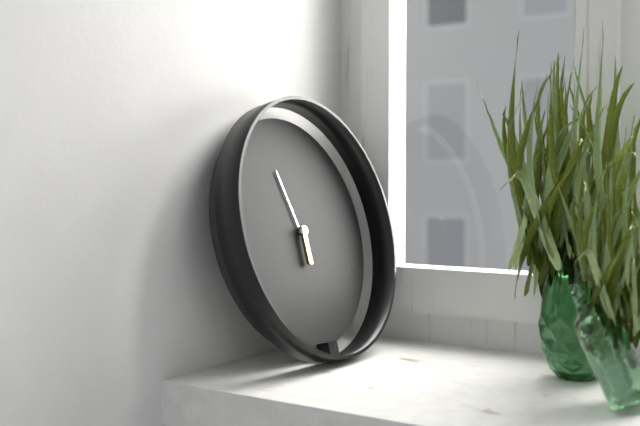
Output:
5 h 57 min
